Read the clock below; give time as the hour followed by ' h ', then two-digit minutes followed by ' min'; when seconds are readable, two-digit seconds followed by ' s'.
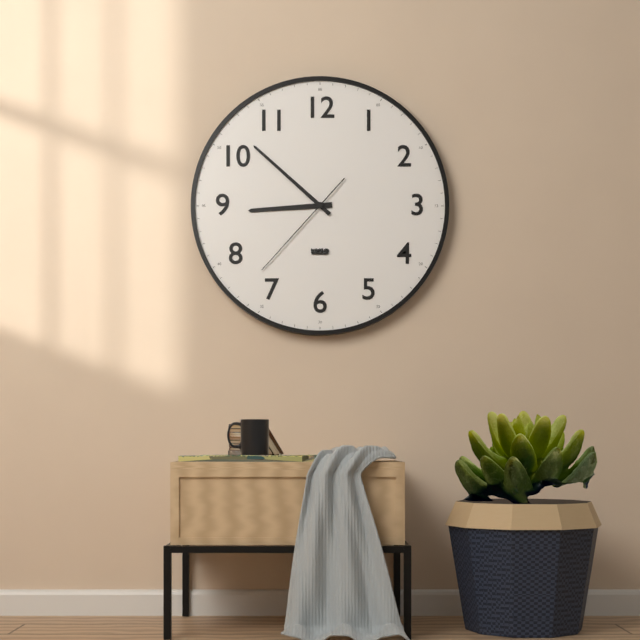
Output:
8 h 52 min 37 s
